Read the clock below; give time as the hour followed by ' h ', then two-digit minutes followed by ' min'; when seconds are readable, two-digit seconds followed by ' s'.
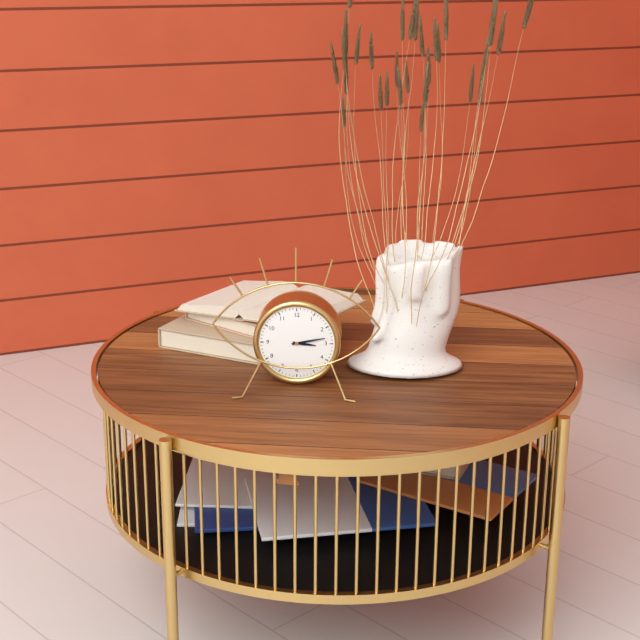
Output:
3 h 13 min
